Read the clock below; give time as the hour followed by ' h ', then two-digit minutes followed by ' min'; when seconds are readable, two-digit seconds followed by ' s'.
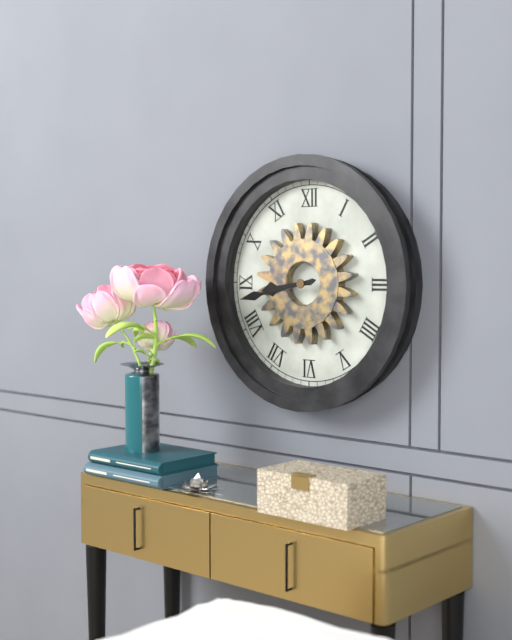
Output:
8 h 43 min
